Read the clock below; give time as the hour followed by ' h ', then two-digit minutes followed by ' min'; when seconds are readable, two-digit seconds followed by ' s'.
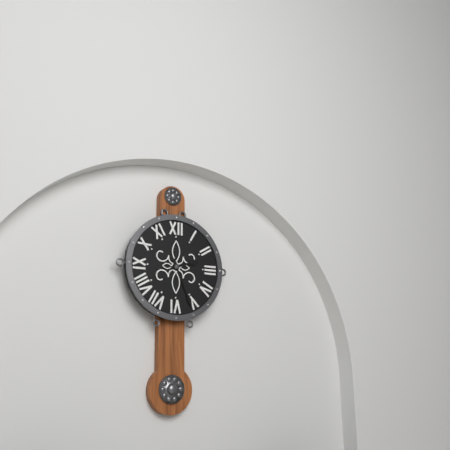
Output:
2 h 26 min
